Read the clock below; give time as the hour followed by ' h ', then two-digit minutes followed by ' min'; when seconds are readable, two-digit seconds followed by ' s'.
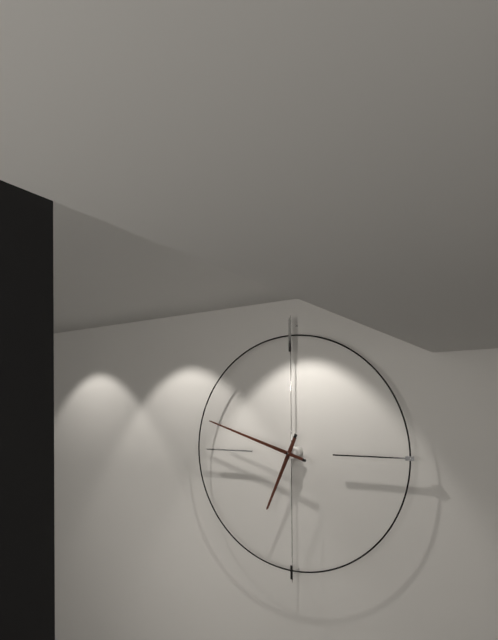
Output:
6 h 48 min
